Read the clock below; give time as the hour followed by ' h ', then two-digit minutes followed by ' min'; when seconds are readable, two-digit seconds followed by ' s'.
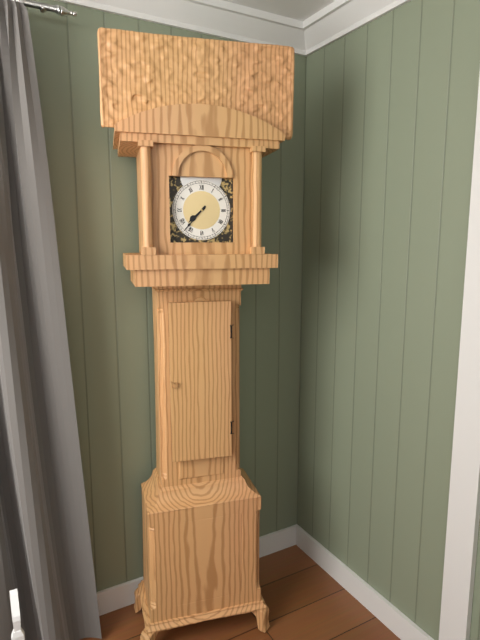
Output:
7 h 37 min
